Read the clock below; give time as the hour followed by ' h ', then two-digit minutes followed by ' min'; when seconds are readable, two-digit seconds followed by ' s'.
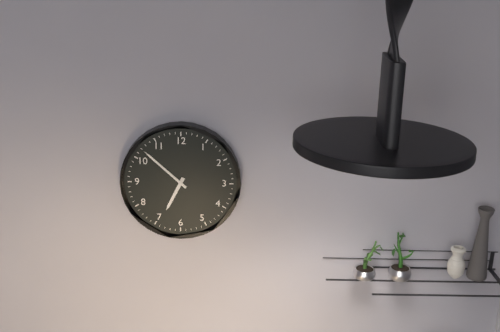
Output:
6 h 52 min
